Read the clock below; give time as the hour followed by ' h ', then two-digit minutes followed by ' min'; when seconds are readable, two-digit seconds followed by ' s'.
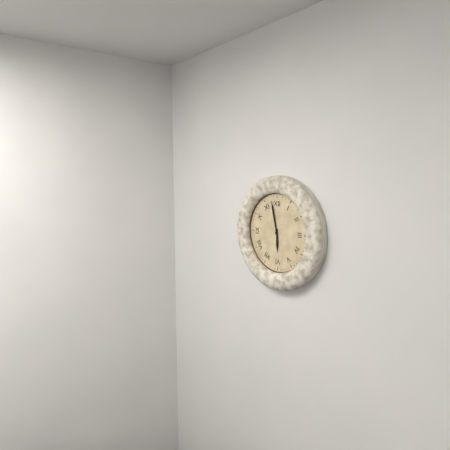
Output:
5 h 58 min
